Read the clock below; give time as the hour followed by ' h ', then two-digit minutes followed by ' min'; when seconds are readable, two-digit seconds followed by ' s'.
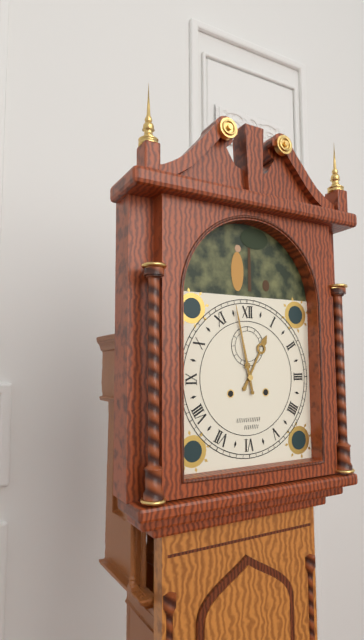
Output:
12 h 58 min
